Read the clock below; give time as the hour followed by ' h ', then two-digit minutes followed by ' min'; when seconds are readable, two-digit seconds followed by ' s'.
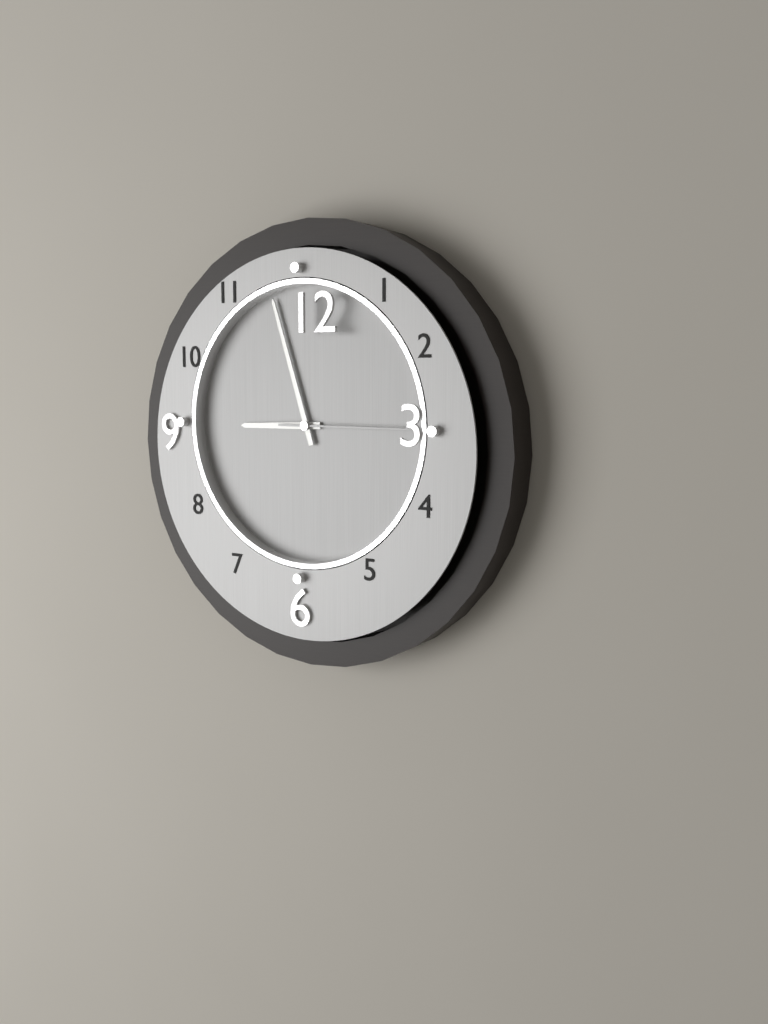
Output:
8 h 57 min 15 s
